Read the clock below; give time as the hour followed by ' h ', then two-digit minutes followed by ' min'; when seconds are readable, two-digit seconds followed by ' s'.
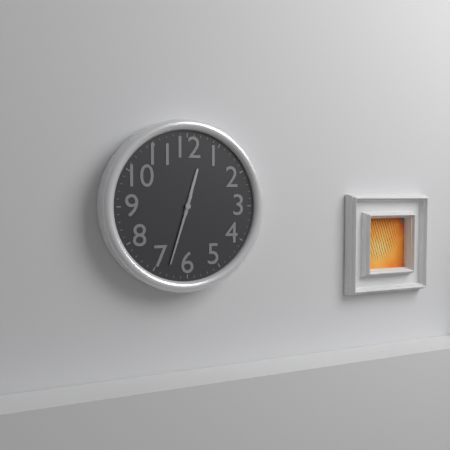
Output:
12 h 33 min
